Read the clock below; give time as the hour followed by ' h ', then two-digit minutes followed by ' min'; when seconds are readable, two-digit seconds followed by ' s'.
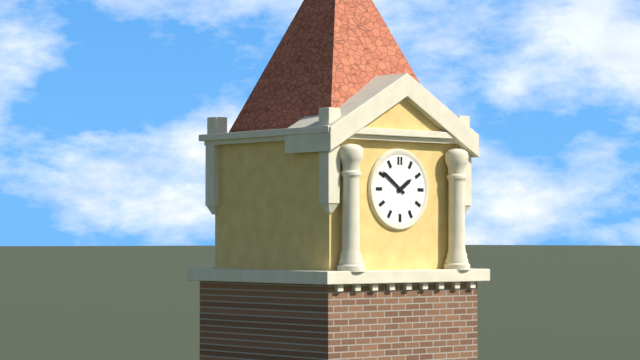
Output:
1 h 51 min
